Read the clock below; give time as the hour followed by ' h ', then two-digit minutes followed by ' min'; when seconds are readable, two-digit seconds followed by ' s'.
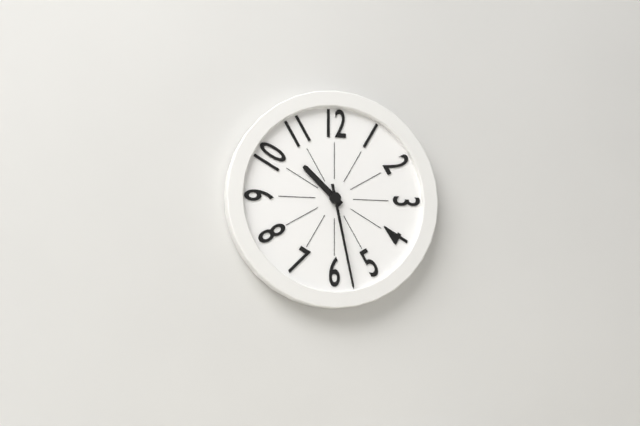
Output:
10 h 28 min
